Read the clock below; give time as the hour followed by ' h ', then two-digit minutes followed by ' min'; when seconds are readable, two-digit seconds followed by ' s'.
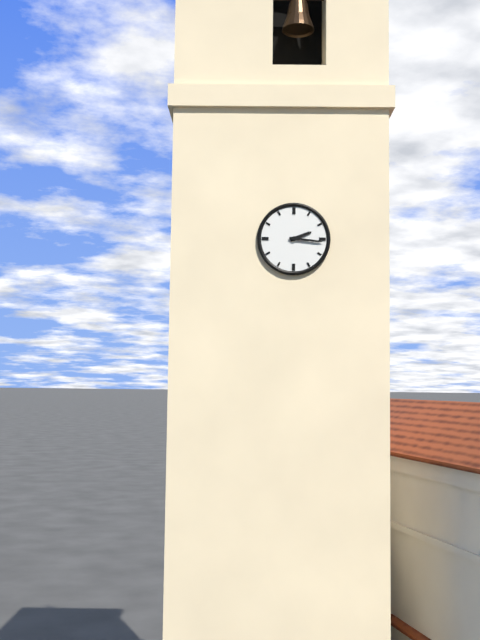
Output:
2 h 16 min
